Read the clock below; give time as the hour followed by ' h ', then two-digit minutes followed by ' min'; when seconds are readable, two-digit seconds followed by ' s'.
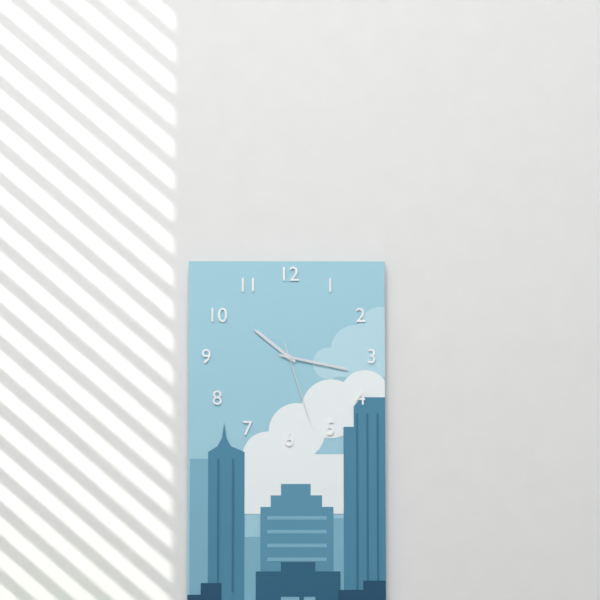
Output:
10 h 17 min 27 s
